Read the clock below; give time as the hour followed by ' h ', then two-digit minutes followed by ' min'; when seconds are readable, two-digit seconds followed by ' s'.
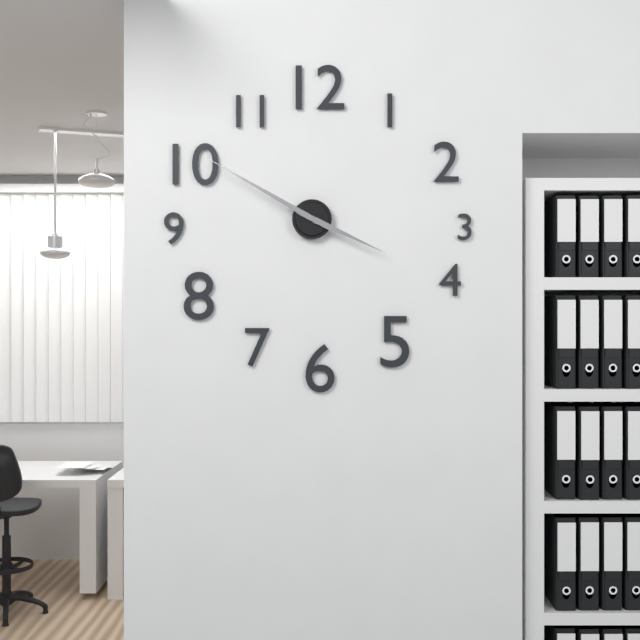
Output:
3 h 50 min
